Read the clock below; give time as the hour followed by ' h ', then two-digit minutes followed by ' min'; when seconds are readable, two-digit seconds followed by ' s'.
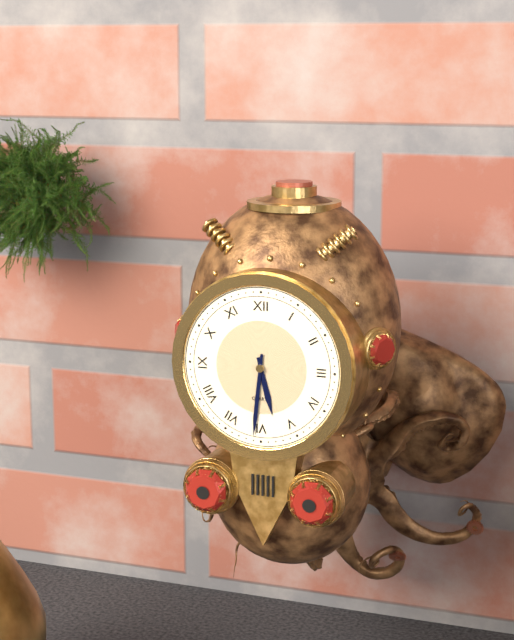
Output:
5 h 31 min
